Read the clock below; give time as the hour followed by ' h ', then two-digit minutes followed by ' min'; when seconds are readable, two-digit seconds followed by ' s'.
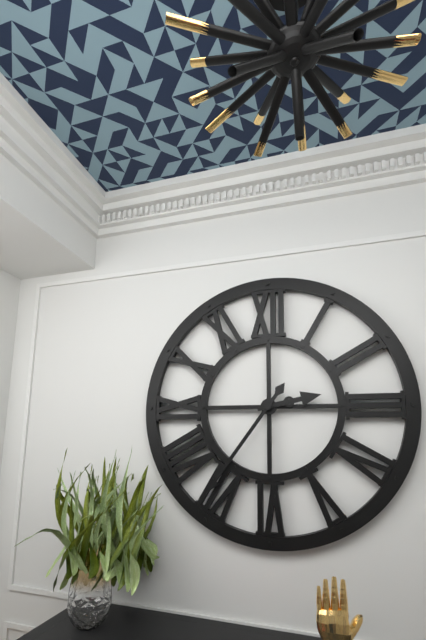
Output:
2 h 36 min
